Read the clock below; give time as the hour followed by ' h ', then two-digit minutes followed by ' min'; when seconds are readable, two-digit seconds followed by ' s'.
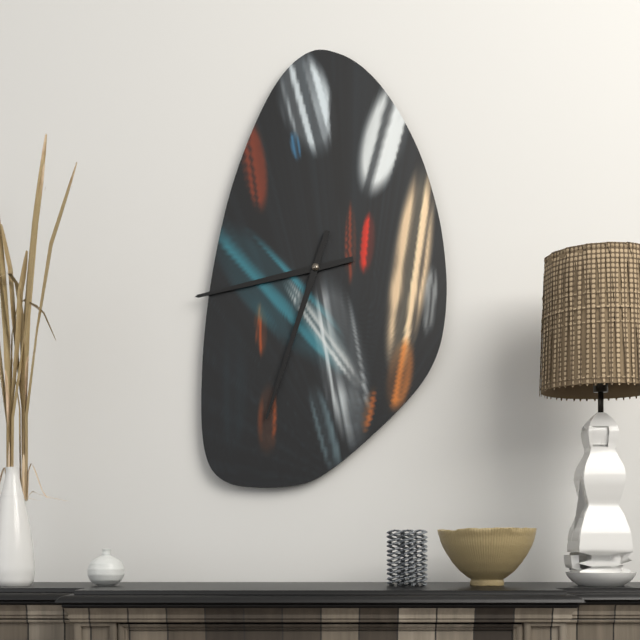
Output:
8 h 33 min
